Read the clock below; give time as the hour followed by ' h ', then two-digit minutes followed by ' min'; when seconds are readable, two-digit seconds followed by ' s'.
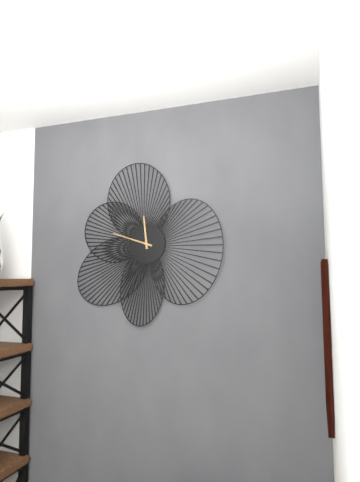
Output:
11 h 48 min
